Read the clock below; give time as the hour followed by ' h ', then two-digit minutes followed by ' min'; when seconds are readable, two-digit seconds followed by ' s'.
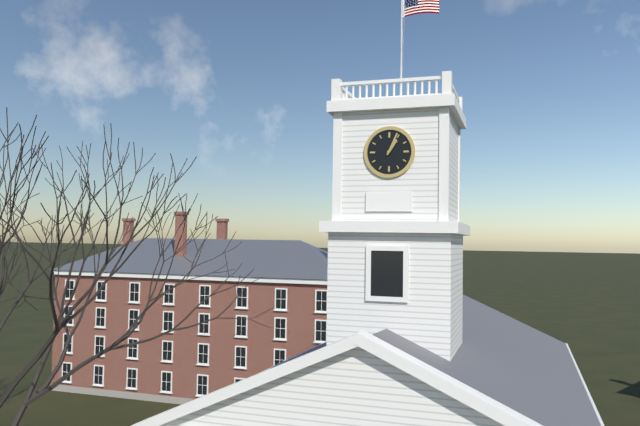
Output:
1 h 04 min
